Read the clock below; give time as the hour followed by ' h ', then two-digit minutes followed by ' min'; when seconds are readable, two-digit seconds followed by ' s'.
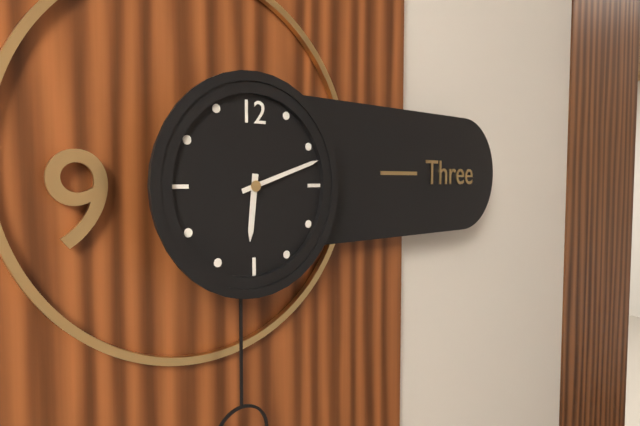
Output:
6 h 12 min
